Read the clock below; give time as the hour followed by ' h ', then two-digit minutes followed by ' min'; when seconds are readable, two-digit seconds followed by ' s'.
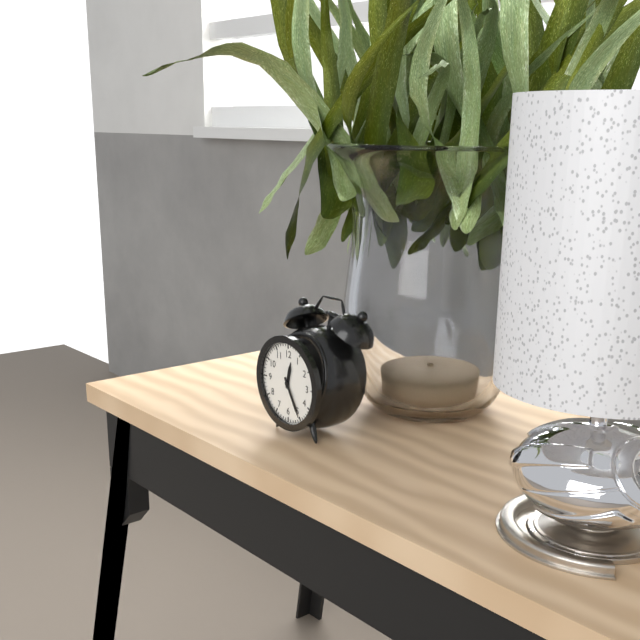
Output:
12 h 25 min
